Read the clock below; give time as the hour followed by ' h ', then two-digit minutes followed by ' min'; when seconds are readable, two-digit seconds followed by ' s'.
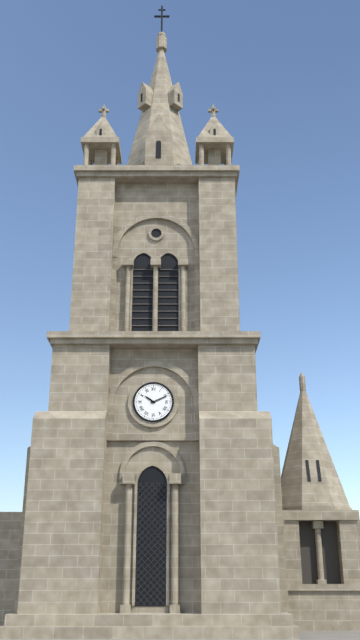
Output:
10 h 11 min
